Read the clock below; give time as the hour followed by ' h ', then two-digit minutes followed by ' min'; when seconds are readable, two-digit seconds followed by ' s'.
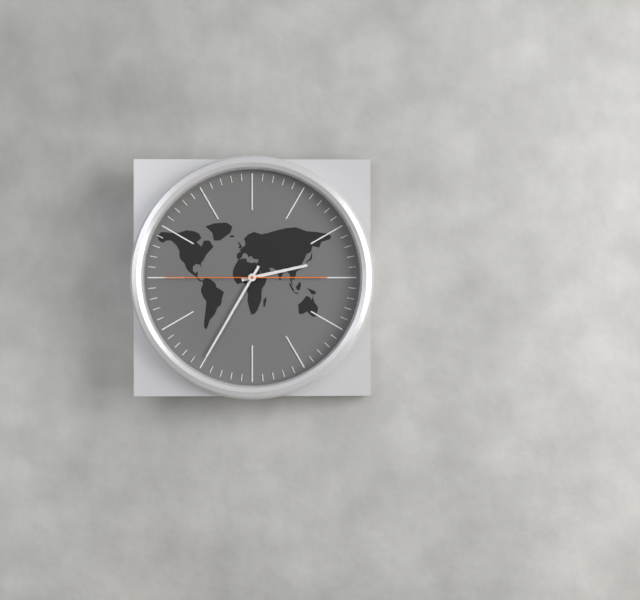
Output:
2 h 35 min 45 s
